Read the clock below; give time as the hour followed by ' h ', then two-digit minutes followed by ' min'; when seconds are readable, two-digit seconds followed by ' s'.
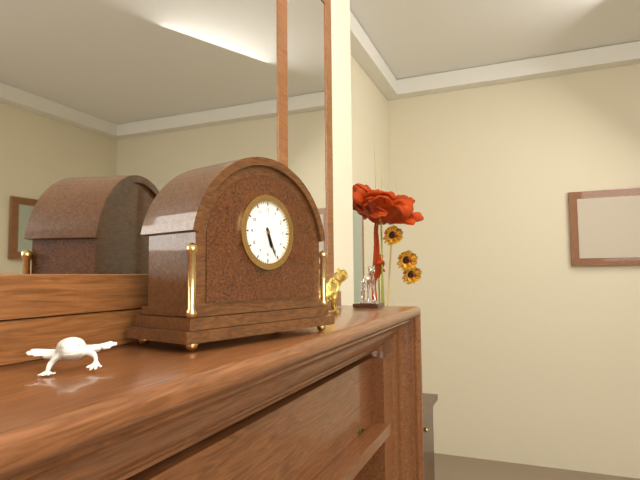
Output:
5 h 26 min
